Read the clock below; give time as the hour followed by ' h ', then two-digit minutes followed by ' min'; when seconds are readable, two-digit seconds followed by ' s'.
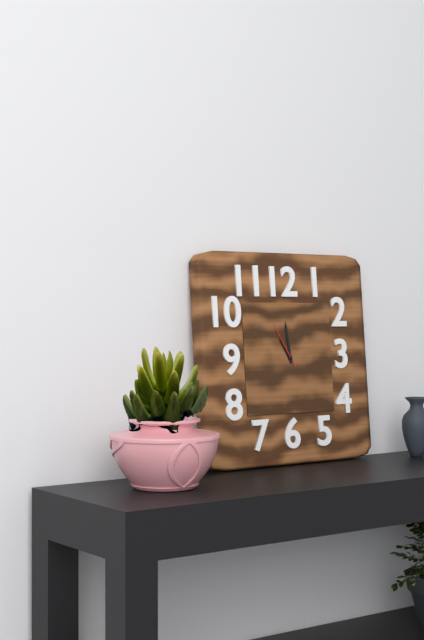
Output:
10 h 59 min
